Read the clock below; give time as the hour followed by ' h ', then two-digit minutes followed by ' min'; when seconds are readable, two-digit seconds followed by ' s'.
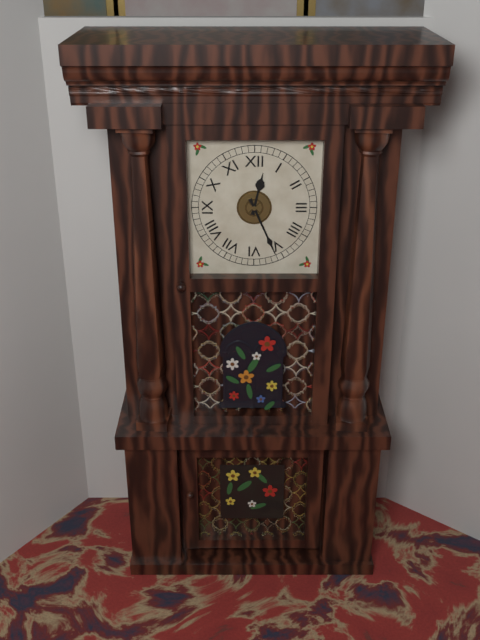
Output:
12 h 26 min
